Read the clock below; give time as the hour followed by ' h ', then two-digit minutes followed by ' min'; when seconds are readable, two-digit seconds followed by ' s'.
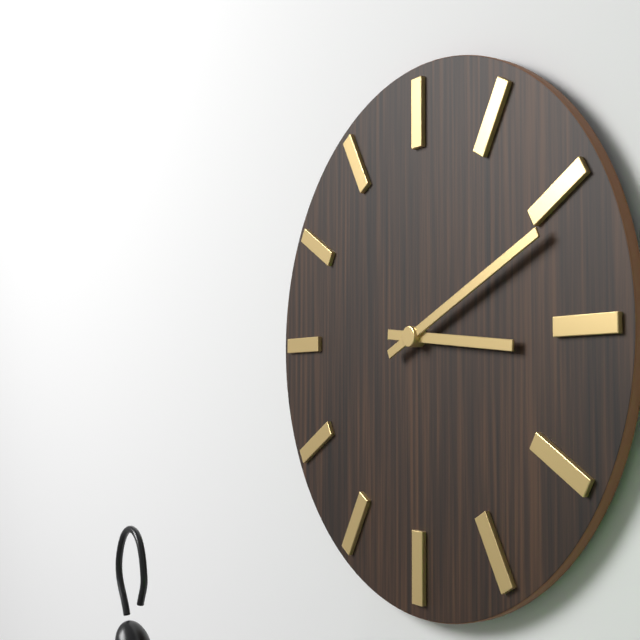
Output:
3 h 11 min
